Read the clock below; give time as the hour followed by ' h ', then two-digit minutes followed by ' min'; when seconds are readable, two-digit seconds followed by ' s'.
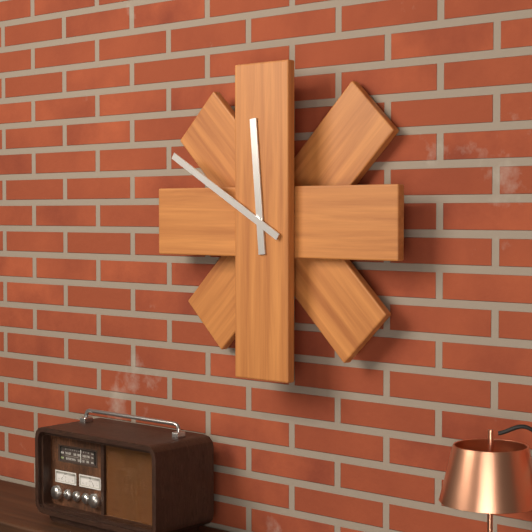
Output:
11 h 50 min
